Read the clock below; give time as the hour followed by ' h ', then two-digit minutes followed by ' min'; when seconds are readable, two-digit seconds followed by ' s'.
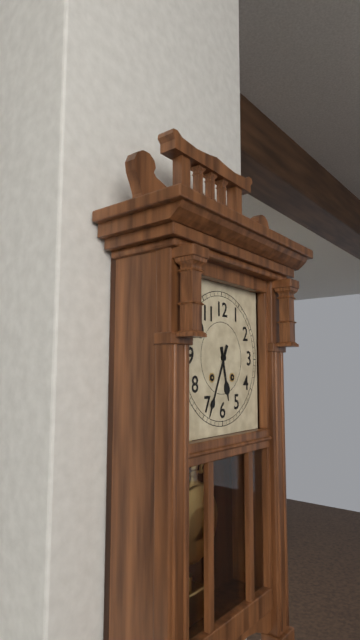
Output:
5 h 34 min
